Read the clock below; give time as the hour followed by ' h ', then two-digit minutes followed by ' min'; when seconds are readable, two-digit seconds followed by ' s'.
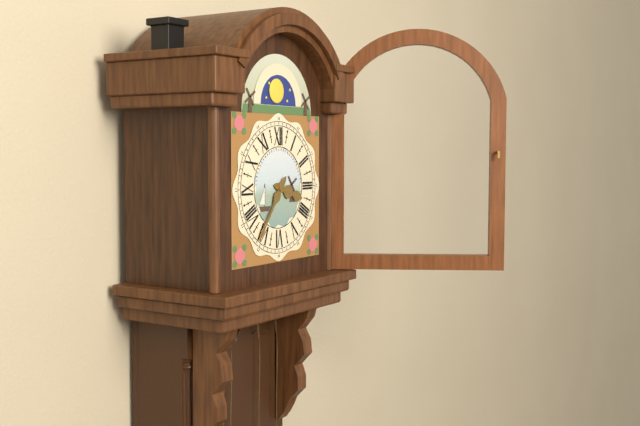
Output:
3 h 36 min
